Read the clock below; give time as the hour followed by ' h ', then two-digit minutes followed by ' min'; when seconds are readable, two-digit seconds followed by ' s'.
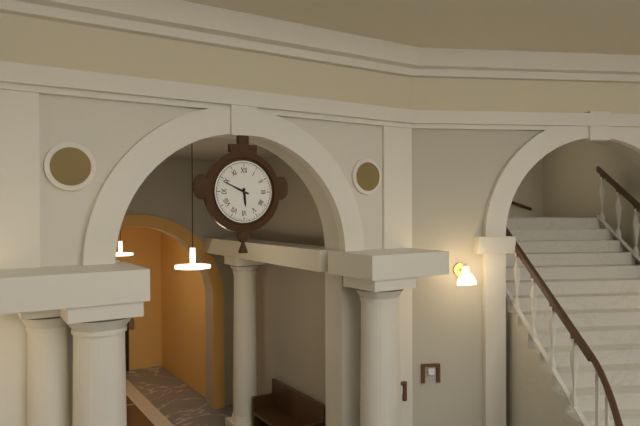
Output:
5 h 49 min
